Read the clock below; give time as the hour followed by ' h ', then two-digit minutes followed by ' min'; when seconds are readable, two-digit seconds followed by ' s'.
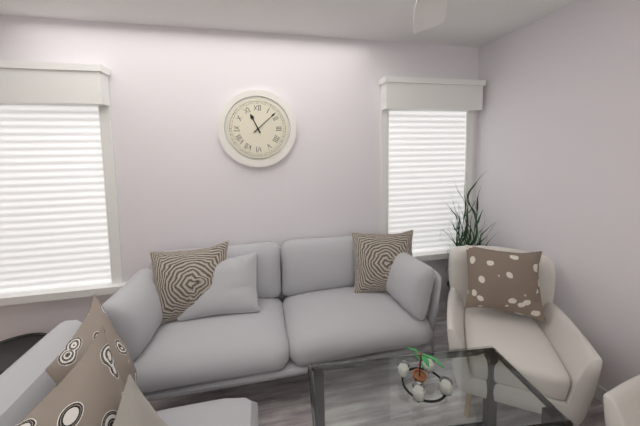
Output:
11 h 08 min
